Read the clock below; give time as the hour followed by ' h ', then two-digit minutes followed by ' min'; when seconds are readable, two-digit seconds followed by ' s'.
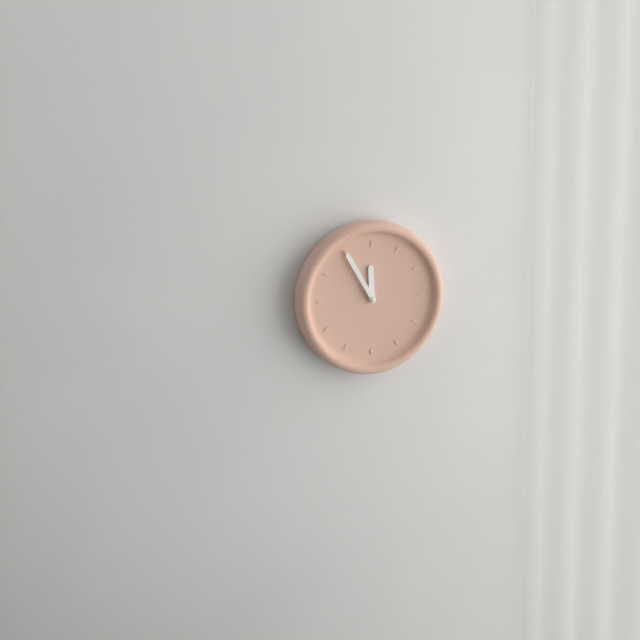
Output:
11 h 55 min
